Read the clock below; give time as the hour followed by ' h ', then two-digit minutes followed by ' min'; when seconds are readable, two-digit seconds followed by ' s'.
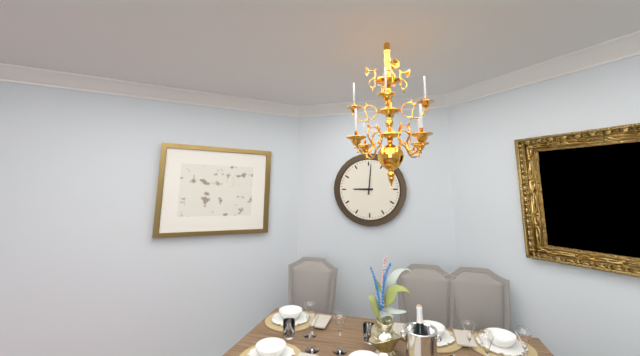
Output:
9 h 01 min
